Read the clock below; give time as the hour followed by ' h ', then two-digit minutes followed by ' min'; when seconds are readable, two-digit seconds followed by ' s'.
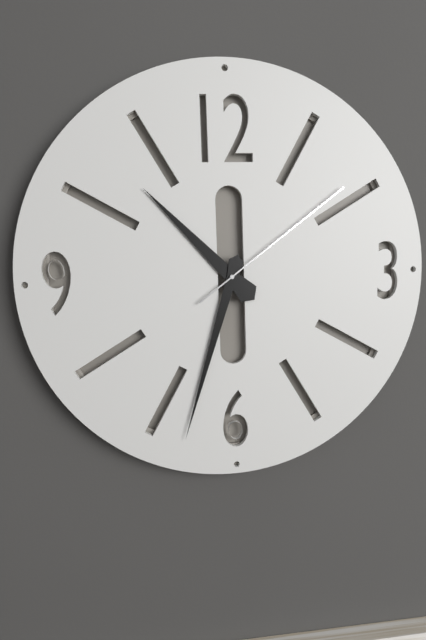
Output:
10 h 33 min 09 s
